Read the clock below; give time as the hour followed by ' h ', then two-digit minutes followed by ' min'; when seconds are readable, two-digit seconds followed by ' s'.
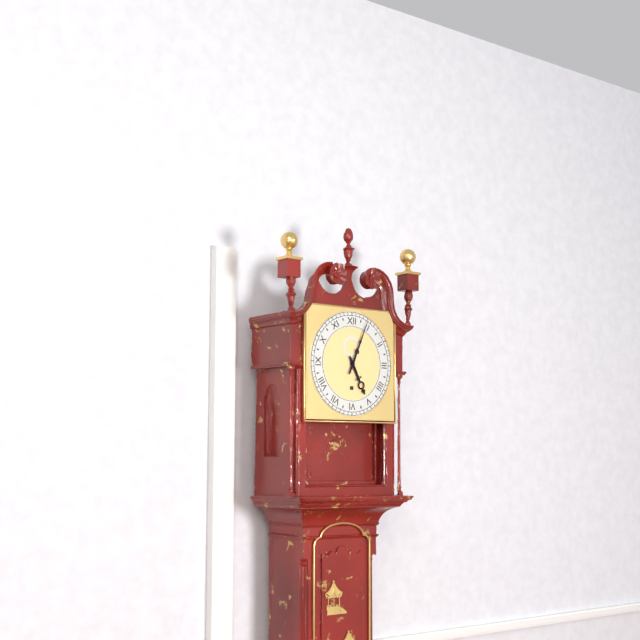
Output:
5 h 04 min
